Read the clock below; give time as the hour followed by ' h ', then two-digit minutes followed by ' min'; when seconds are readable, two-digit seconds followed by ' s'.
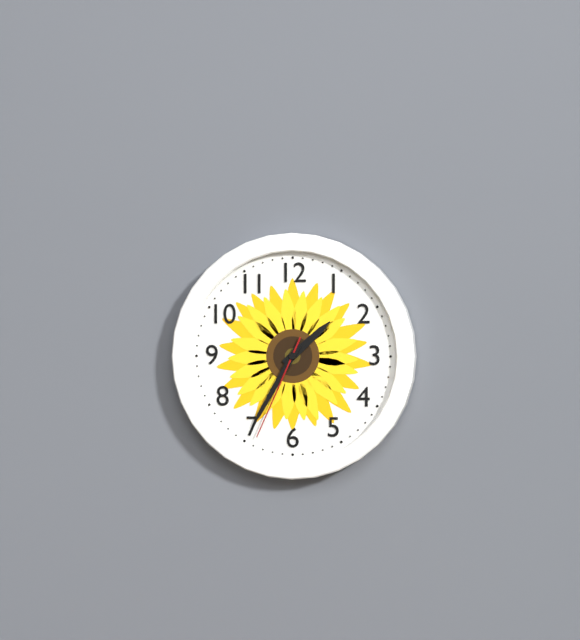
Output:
1 h 35 min 34 s
